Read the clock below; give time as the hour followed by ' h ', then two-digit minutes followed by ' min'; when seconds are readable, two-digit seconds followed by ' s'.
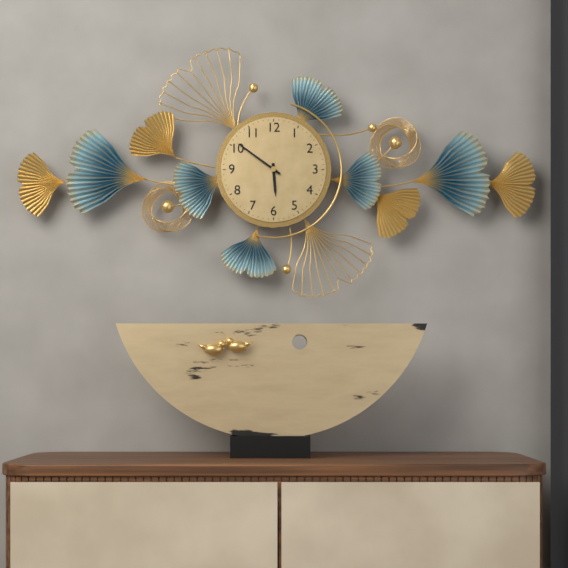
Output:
5 h 51 min
